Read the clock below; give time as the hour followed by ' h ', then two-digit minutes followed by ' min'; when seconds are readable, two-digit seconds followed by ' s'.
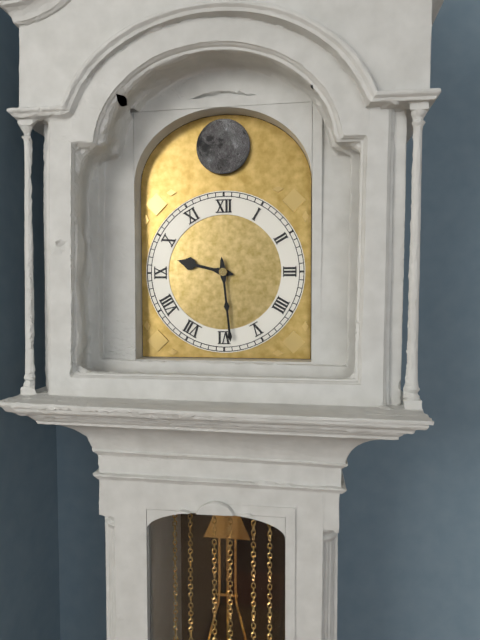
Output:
9 h 29 min
